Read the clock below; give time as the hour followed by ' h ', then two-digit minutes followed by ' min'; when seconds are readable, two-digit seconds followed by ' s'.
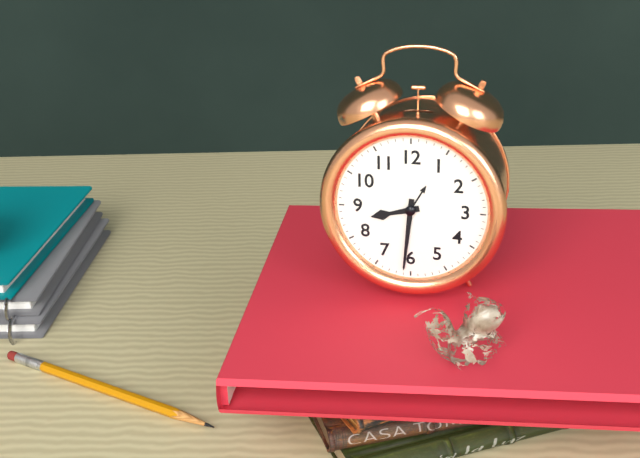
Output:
8 h 31 min
